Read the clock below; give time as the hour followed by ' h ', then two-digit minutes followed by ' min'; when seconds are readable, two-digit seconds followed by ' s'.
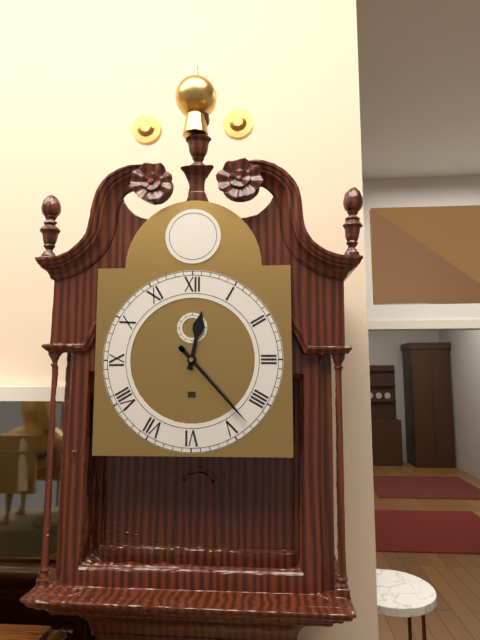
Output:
12 h 23 min
